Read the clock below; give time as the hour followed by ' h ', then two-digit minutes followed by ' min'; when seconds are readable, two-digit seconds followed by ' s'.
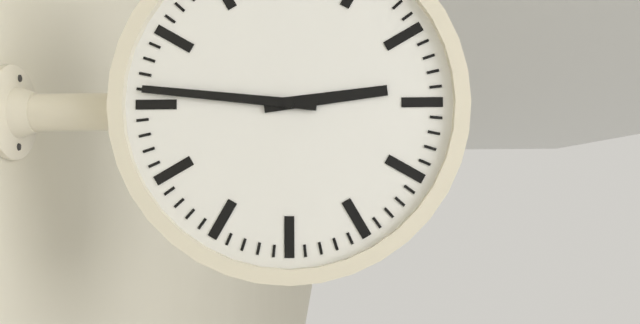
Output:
2 h 46 min
